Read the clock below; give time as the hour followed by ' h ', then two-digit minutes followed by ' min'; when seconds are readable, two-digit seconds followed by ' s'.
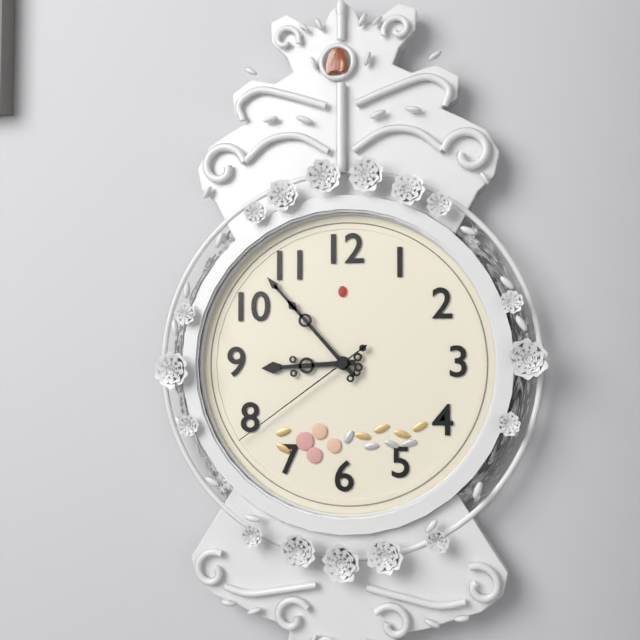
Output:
8 h 53 min 39 s
